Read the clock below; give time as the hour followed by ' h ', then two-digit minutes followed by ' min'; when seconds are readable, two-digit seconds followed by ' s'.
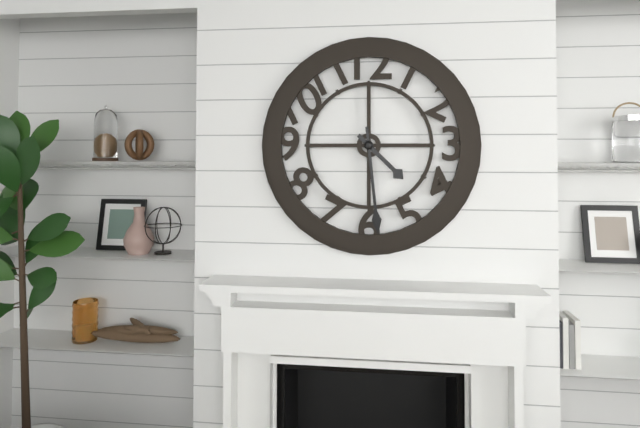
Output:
4 h 29 min
